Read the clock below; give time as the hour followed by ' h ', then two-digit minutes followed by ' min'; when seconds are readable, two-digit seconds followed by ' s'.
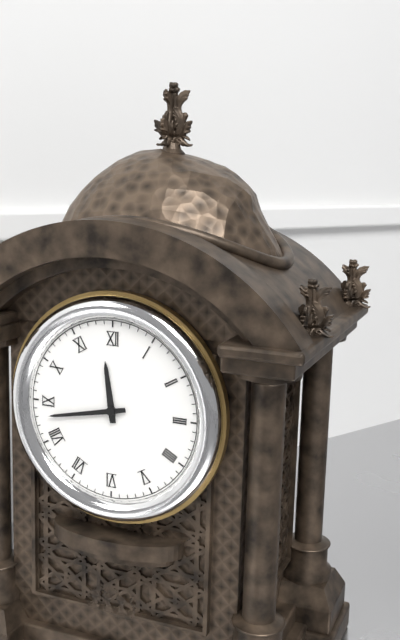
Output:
11 h 43 min
